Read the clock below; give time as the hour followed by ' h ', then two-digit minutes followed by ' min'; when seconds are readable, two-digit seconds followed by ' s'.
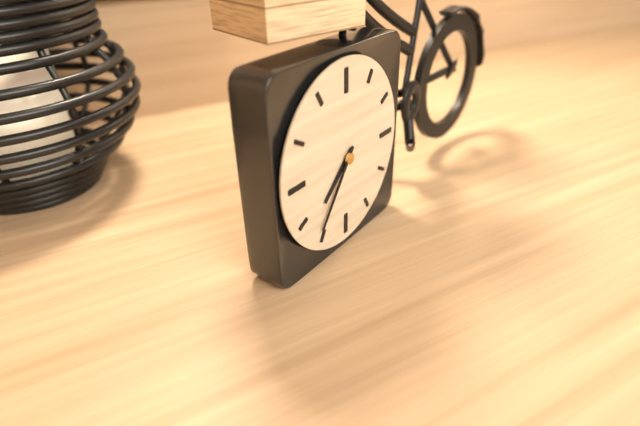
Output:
7 h 36 min
